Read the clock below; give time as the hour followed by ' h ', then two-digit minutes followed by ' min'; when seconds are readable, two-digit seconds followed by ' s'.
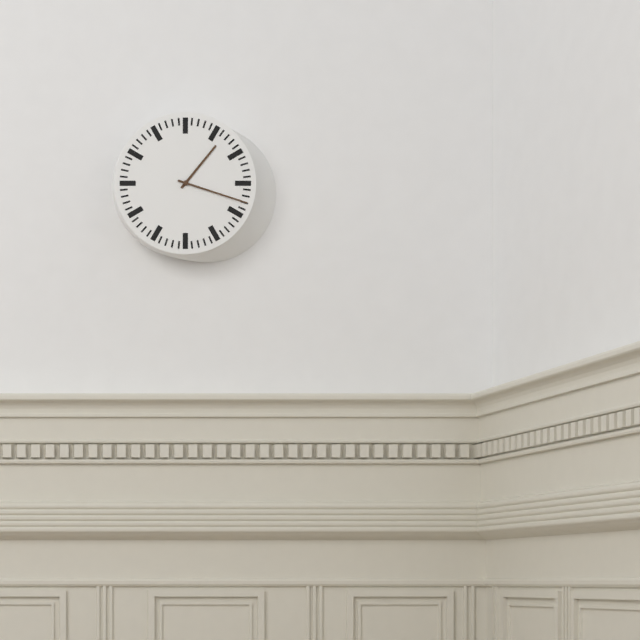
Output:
1 h 18 min
